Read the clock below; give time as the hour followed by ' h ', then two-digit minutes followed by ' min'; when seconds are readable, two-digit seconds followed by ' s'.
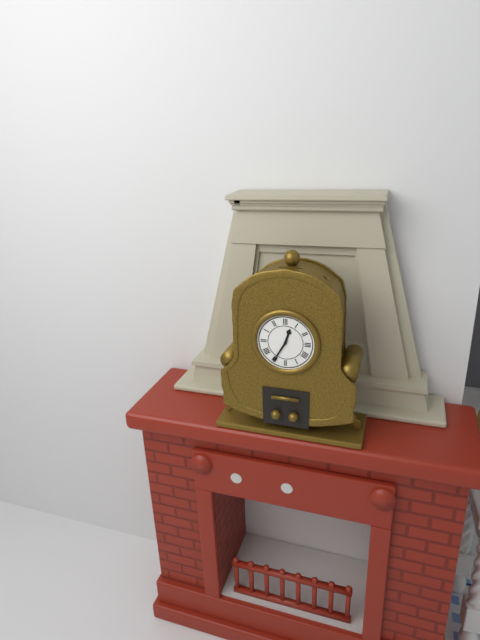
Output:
12 h 35 min
